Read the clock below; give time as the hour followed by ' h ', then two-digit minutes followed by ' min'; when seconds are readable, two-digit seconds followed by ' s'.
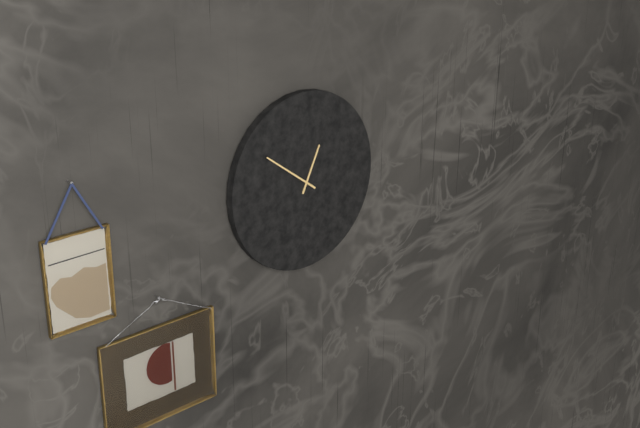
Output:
12 h 51 min
